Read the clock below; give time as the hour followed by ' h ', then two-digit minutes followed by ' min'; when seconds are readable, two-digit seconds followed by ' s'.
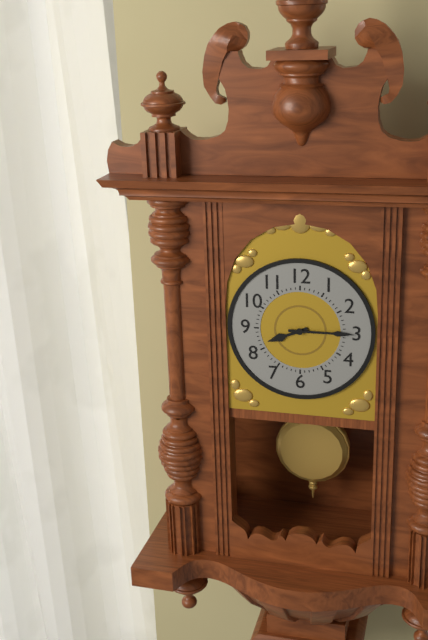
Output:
8 h 15 min
